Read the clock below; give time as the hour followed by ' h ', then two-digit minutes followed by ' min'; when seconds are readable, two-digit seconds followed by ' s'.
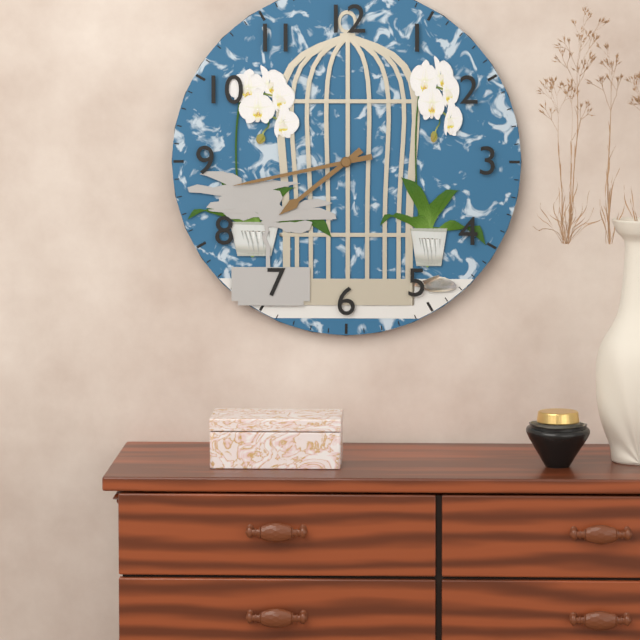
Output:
7 h 43 min
